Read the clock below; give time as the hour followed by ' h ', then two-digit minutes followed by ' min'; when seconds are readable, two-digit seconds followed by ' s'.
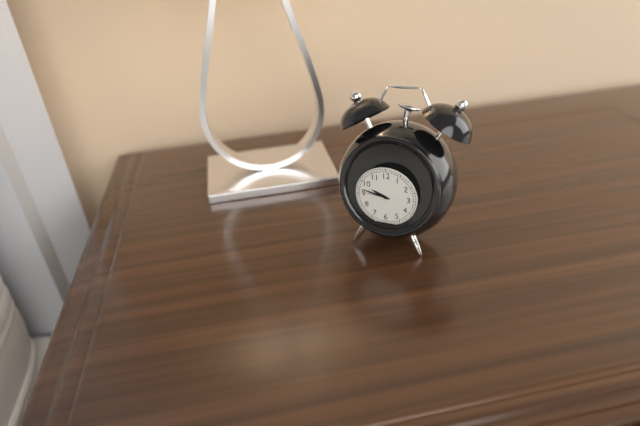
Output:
9 h 47 min
